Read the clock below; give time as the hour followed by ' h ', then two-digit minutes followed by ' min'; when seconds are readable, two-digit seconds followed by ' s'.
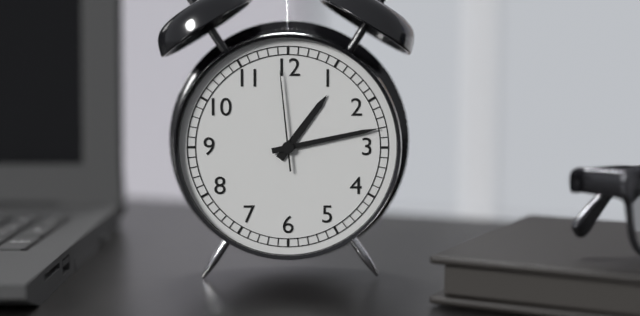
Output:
1 h 13 min 59 s
